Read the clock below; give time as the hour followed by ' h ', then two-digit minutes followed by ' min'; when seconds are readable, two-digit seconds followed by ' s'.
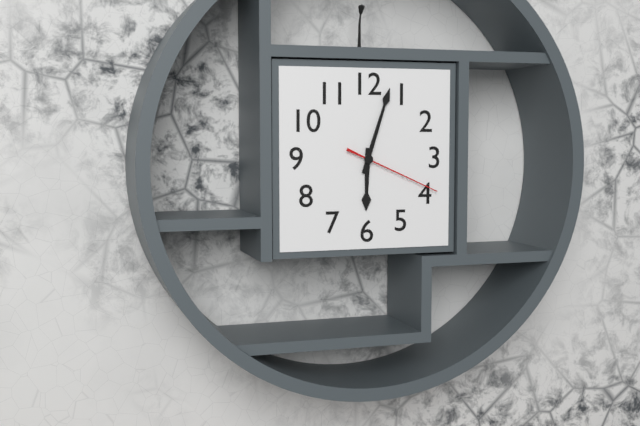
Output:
6 h 03 min 19 s
